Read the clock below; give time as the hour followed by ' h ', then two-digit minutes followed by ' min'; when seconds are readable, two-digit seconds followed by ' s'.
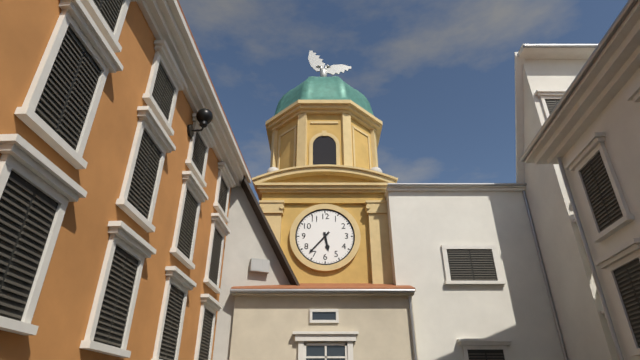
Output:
5 h 37 min
